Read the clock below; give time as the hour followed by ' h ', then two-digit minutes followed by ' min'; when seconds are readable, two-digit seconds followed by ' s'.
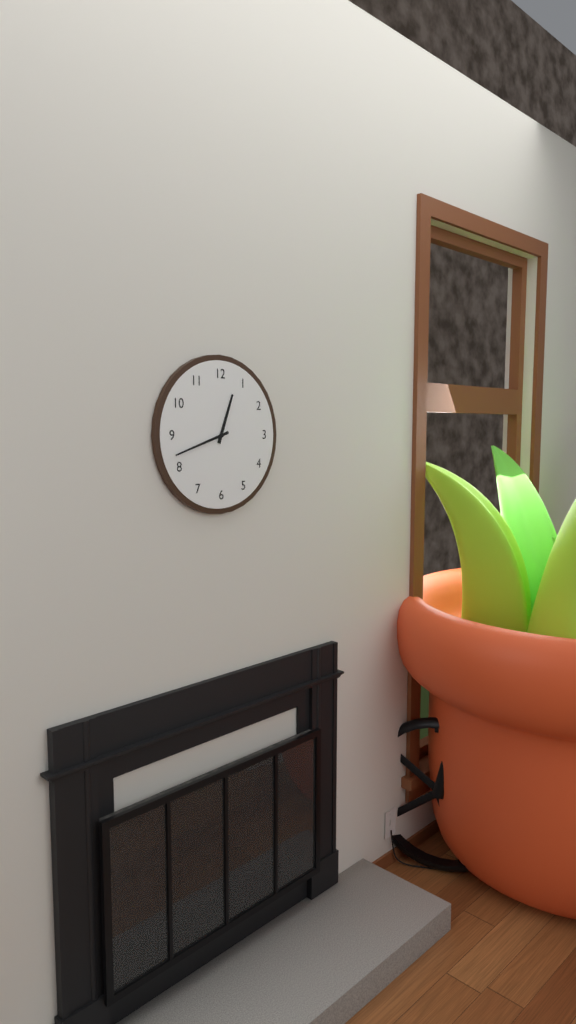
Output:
12 h 42 min
